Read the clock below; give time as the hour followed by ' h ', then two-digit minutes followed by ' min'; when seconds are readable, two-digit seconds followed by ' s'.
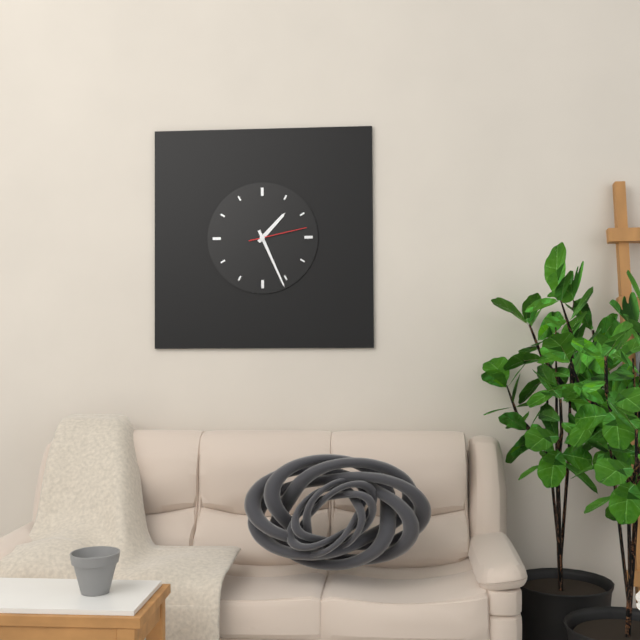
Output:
1 h 26 min 13 s
